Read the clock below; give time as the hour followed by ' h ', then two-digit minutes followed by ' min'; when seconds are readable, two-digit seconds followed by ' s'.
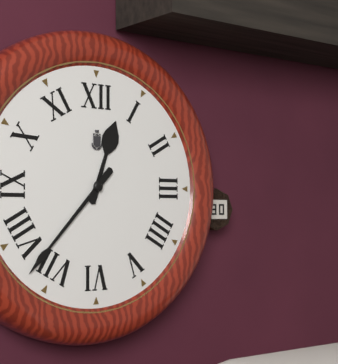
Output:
12 h 37 min
